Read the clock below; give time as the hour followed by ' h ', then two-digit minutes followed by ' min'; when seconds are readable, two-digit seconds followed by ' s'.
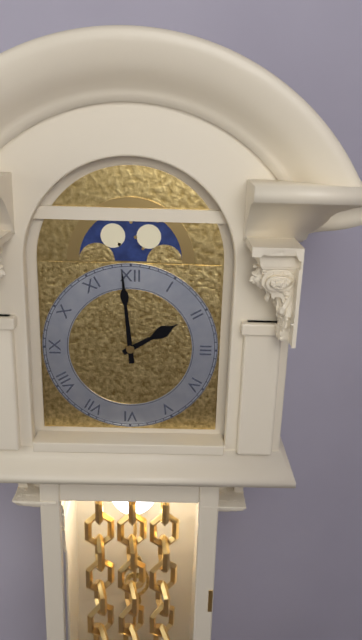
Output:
1 h 59 min
